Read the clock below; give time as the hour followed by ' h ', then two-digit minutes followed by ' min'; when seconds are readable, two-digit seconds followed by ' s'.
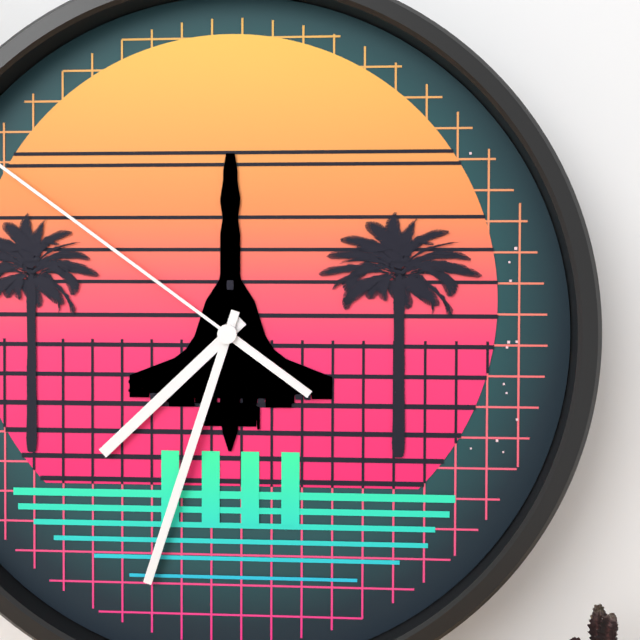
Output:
7 h 33 min
